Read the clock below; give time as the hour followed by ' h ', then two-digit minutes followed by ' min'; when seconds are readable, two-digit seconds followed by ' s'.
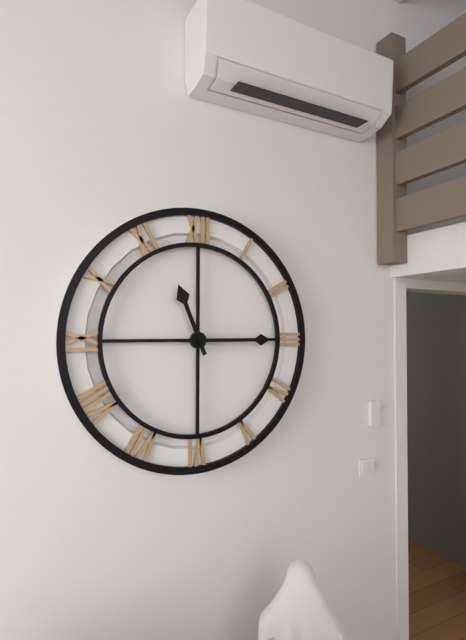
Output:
11 h 15 min
